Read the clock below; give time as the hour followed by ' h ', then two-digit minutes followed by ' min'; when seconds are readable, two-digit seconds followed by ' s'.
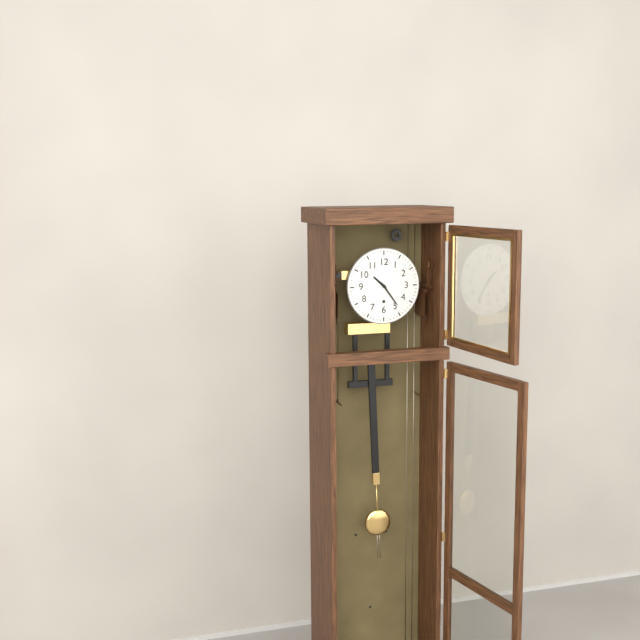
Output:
10 h 24 min
